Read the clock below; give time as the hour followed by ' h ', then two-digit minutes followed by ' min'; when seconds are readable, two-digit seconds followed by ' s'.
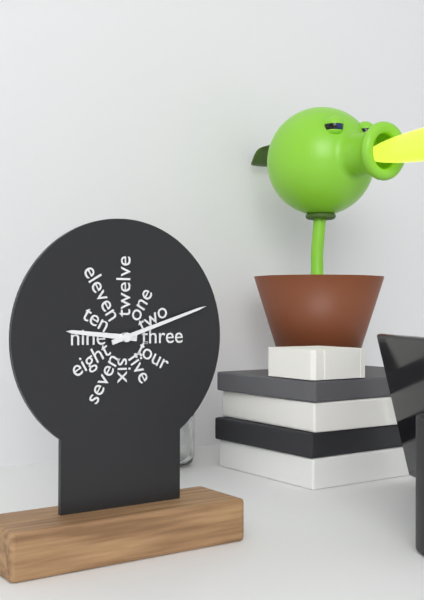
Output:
9 h 12 min
